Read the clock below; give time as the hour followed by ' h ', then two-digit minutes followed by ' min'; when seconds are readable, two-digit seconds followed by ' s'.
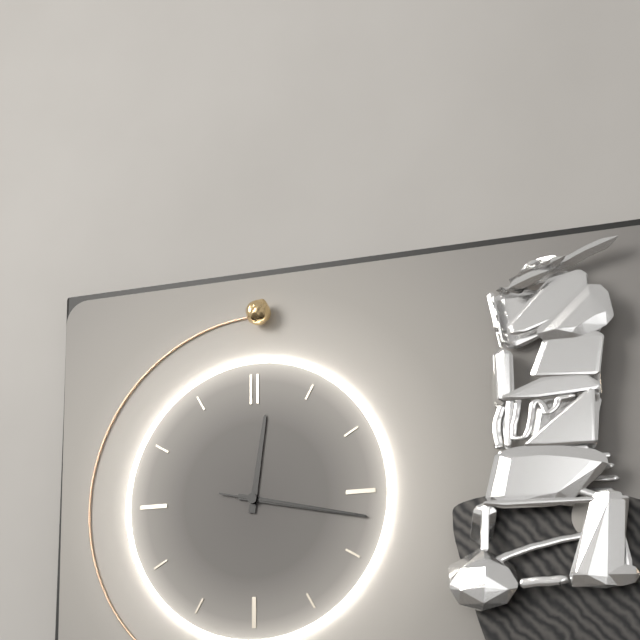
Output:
12 h 17 min 17 s
